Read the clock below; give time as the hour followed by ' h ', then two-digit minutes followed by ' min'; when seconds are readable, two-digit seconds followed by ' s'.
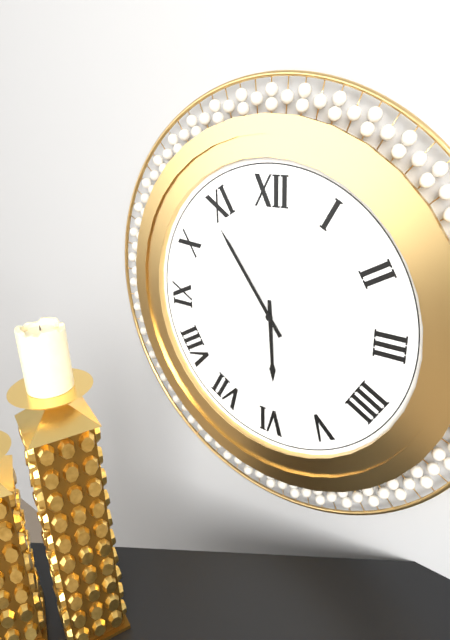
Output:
5 h 54 min
